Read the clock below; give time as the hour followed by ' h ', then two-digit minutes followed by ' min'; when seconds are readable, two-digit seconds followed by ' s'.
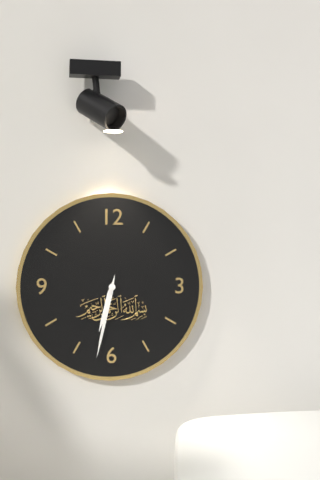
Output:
6 h 32 min
